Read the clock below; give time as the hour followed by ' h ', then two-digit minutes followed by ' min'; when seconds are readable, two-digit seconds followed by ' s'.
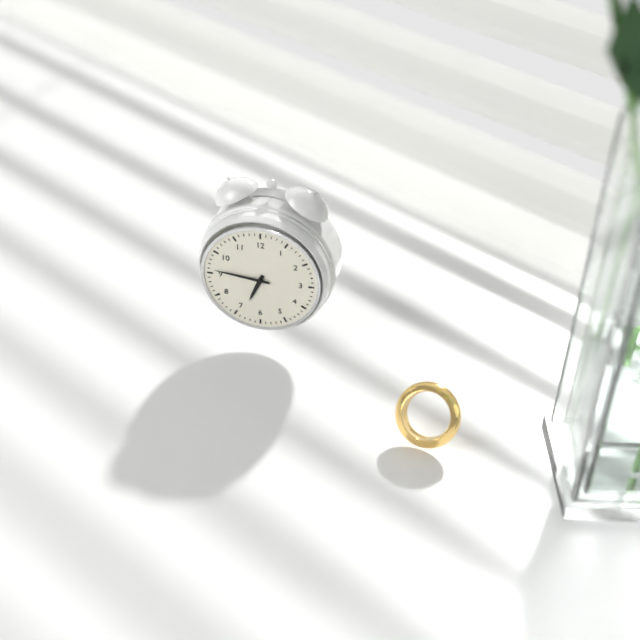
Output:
6 h 46 min
